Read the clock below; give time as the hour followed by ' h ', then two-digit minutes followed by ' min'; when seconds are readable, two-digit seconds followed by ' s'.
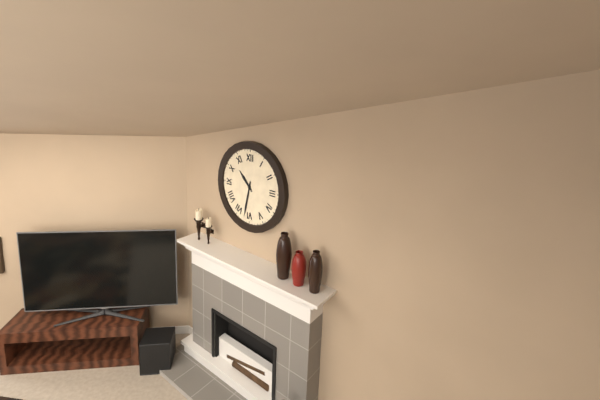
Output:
10 h 32 min
